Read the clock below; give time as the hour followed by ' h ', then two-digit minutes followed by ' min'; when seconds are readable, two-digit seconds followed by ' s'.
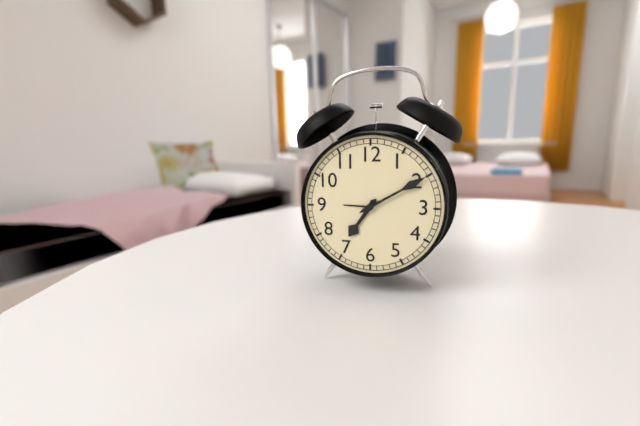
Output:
7 h 10 min
